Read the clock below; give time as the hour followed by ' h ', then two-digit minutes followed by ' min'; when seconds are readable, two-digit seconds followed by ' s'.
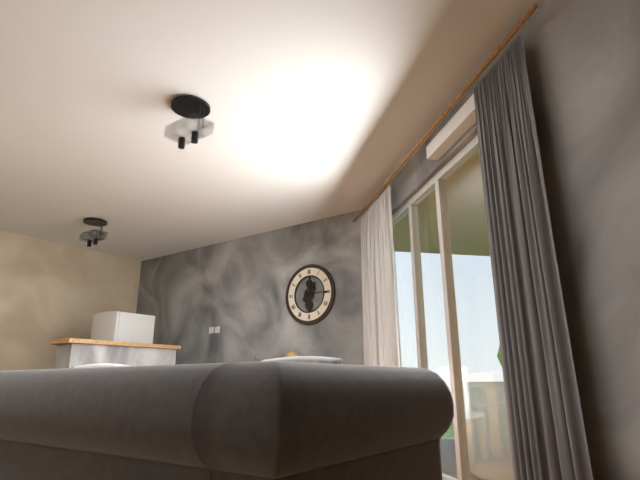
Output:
1 h 15 min
